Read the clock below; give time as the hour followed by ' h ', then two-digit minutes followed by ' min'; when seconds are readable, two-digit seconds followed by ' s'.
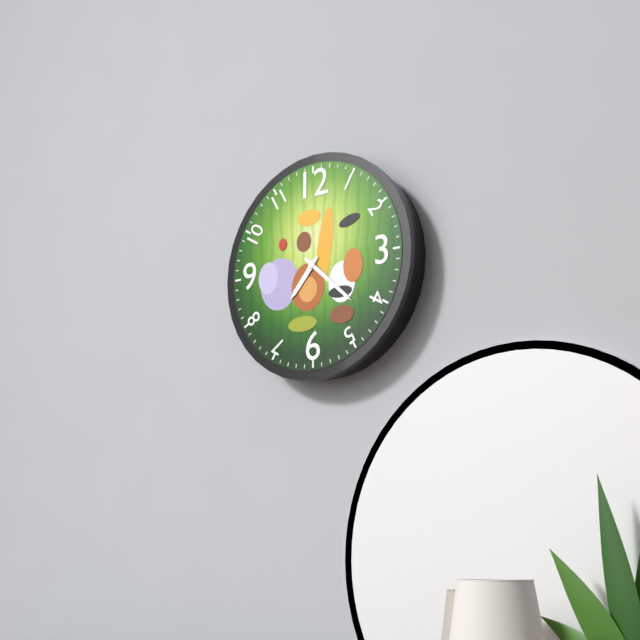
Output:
7 h 22 min
